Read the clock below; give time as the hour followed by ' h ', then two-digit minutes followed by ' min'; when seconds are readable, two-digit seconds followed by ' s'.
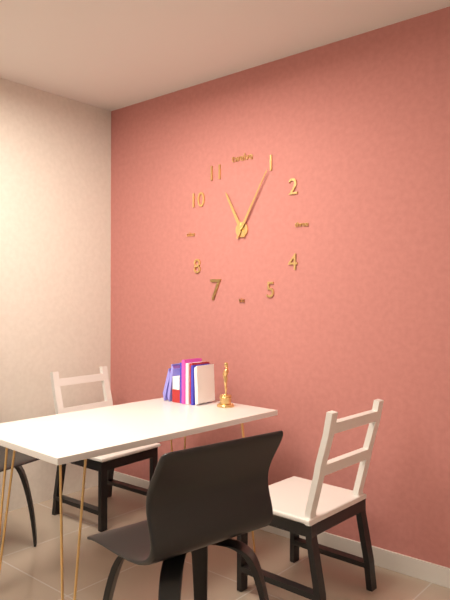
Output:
11 h 05 min
